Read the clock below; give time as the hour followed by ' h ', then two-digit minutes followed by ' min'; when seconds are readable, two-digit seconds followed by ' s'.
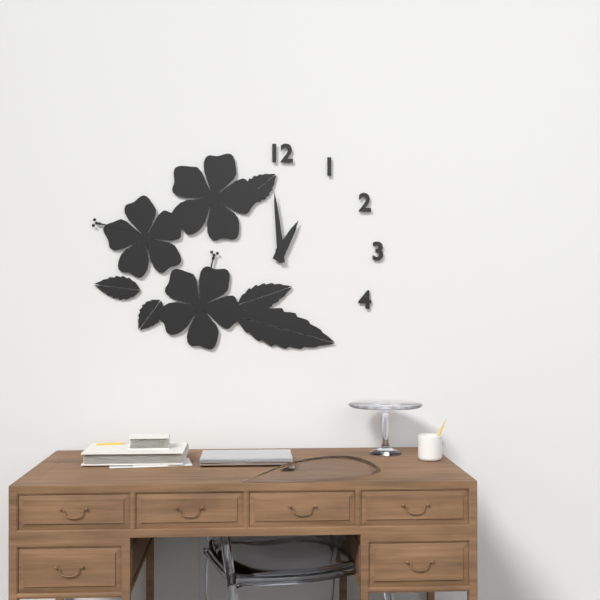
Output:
12 h 59 min
